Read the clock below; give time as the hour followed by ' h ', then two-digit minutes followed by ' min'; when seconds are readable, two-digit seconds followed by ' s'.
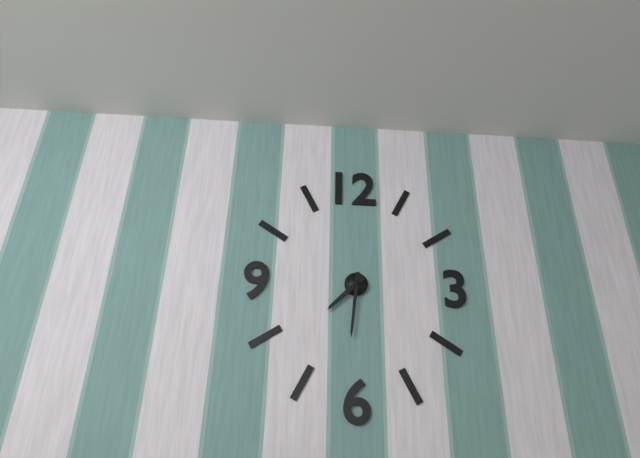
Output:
7 h 31 min
